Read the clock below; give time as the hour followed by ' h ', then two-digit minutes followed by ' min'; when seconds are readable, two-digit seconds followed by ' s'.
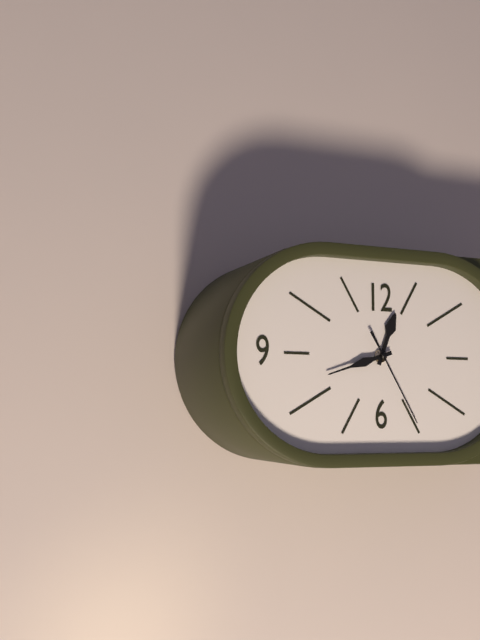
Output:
12 h 42 min 25 s
